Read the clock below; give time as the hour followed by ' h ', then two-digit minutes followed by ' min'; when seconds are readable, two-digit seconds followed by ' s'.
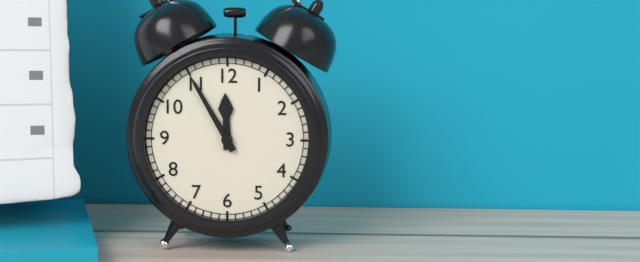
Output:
11 h 55 min
